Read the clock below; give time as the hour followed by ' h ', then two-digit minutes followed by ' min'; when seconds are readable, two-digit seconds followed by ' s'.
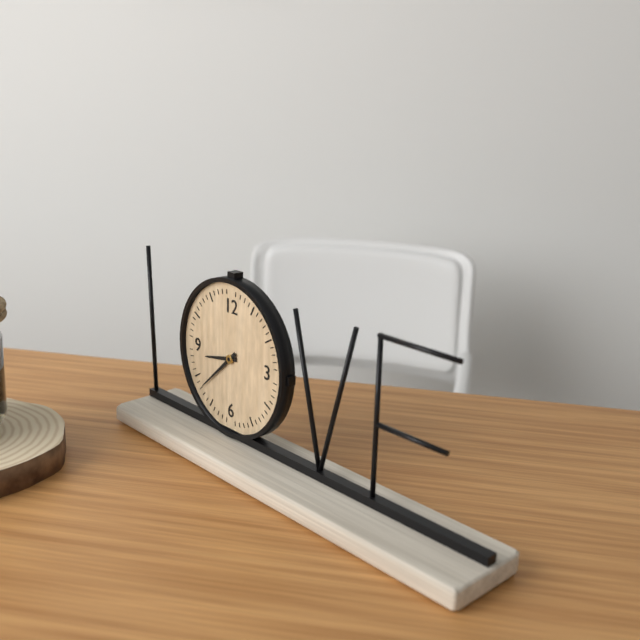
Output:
8 h 38 min
